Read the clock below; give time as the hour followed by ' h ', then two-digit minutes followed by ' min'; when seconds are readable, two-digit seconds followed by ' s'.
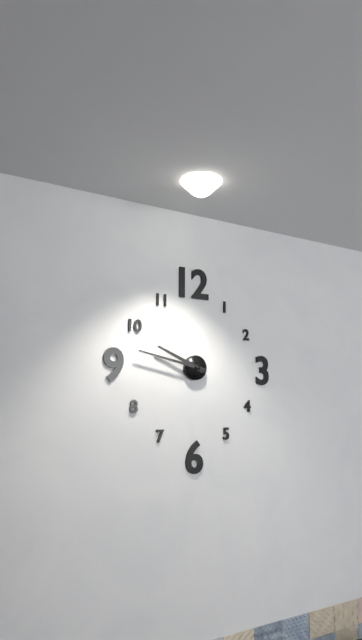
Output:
9 h 47 min
